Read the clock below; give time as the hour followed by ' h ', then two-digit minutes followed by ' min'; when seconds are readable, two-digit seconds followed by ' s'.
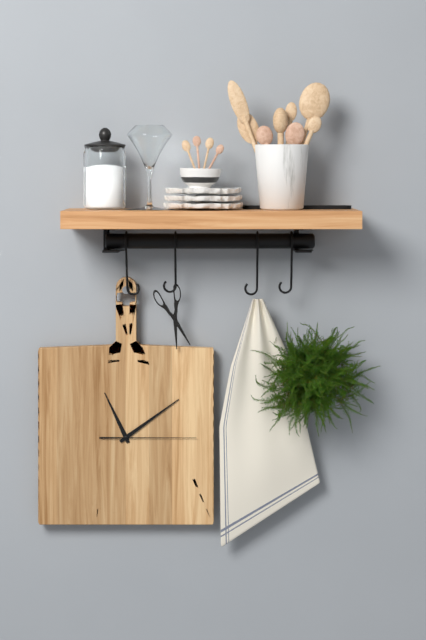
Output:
11 h 09 min 15 s
